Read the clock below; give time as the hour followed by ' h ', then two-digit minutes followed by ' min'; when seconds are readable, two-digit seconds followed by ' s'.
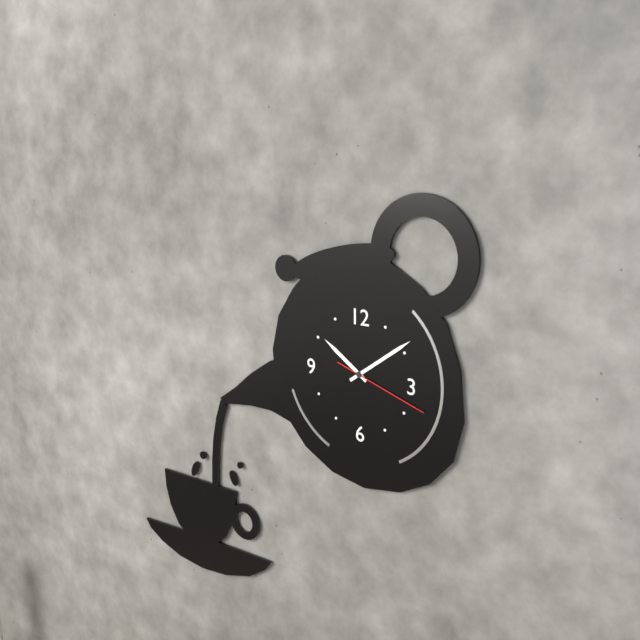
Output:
10 h 09 min 18 s
